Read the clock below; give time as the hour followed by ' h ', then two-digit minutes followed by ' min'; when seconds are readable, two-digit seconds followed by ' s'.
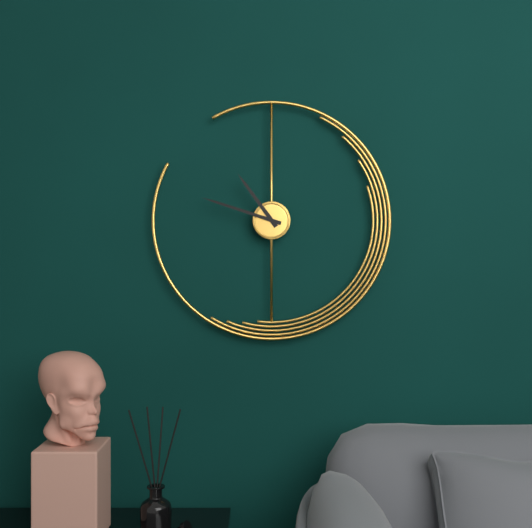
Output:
10 h 48 min
